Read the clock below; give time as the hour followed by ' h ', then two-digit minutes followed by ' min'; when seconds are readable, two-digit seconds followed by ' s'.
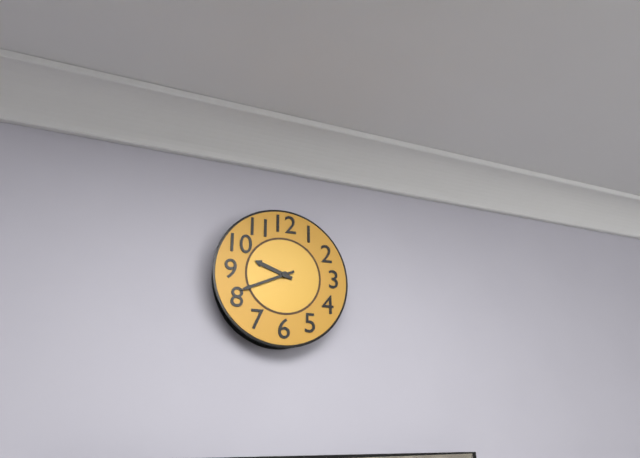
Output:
9 h 41 min
